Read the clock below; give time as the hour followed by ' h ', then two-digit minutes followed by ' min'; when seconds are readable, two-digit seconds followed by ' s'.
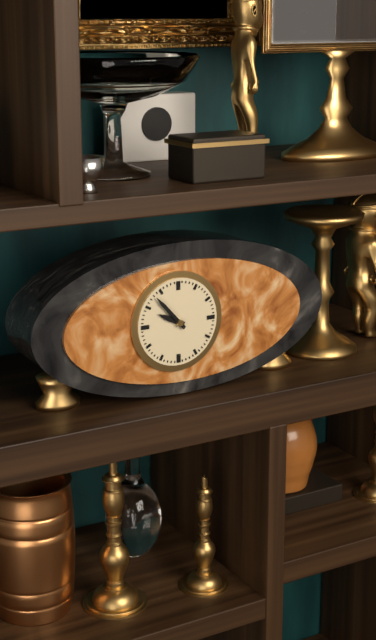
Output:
9 h 53 min
